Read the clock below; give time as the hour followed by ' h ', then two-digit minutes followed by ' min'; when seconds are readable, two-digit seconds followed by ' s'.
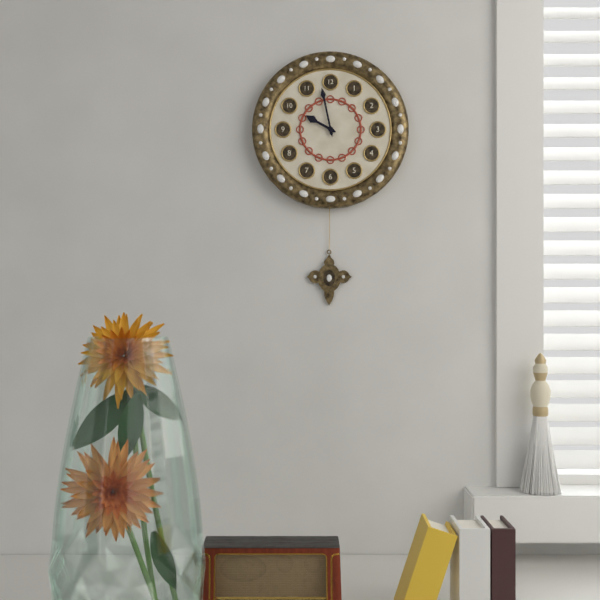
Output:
9 h 58 min
